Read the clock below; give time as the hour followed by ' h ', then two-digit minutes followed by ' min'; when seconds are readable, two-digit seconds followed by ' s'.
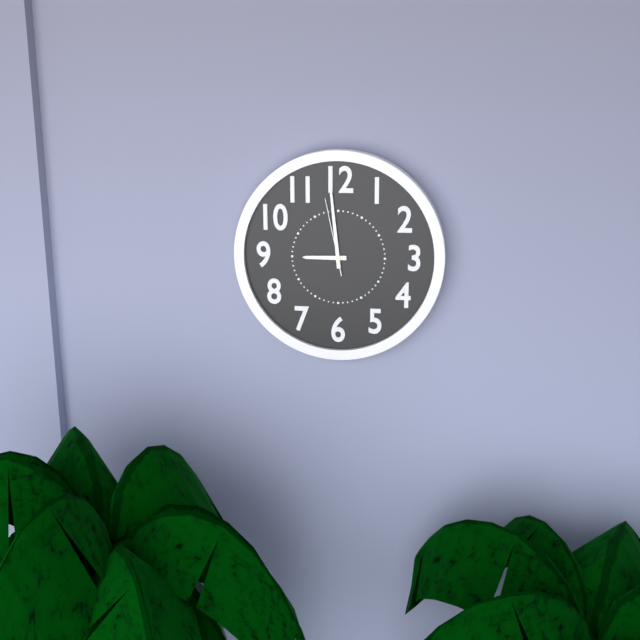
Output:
8 h 59 min 58 s
